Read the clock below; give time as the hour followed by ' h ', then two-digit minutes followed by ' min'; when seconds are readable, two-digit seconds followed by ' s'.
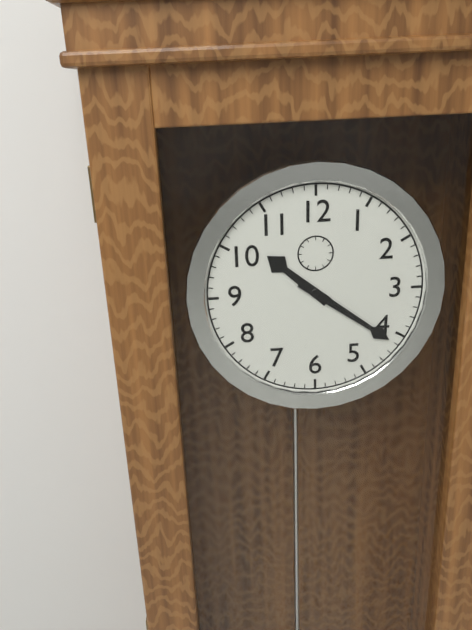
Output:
10 h 21 min
